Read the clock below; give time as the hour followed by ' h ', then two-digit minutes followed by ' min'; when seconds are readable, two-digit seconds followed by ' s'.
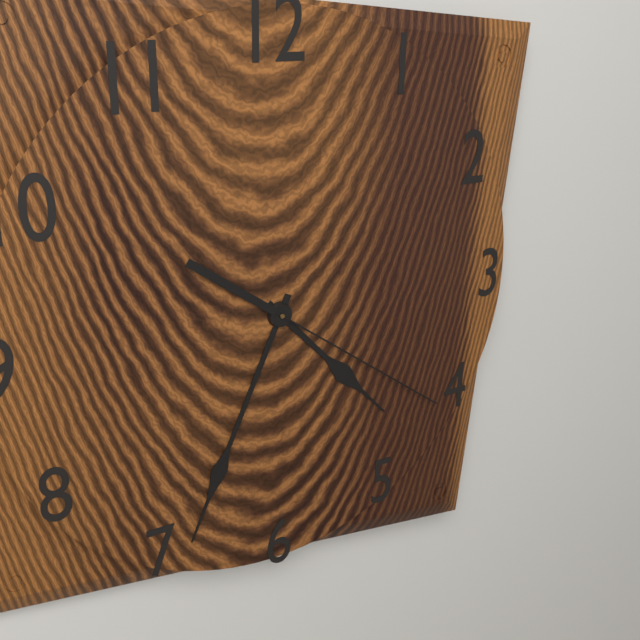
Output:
4 h 34 min 21 s
